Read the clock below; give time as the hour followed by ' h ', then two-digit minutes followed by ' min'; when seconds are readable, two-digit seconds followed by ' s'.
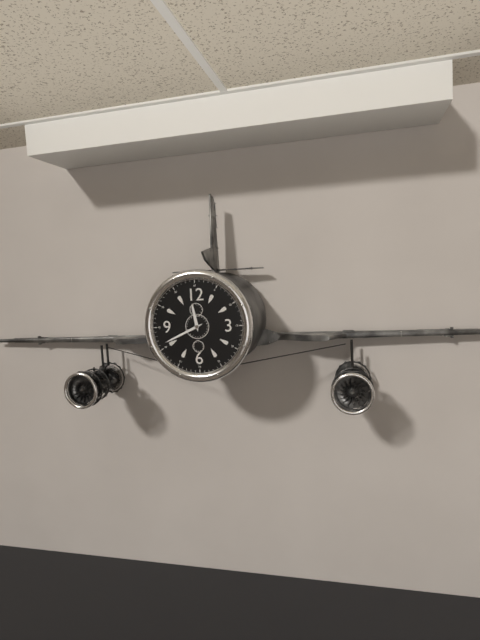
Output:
11 h 41 min
